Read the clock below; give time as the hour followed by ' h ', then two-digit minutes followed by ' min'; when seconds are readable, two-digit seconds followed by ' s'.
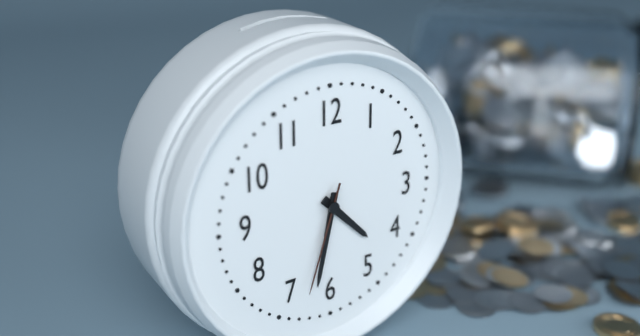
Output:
4 h 32 min 33 s
